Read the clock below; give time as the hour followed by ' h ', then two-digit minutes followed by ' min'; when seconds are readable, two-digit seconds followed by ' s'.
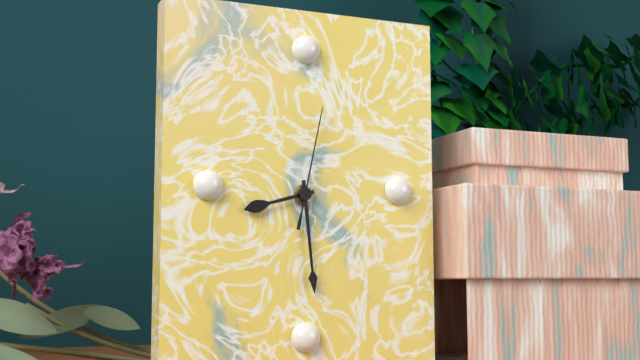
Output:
8 h 29 min 02 s
